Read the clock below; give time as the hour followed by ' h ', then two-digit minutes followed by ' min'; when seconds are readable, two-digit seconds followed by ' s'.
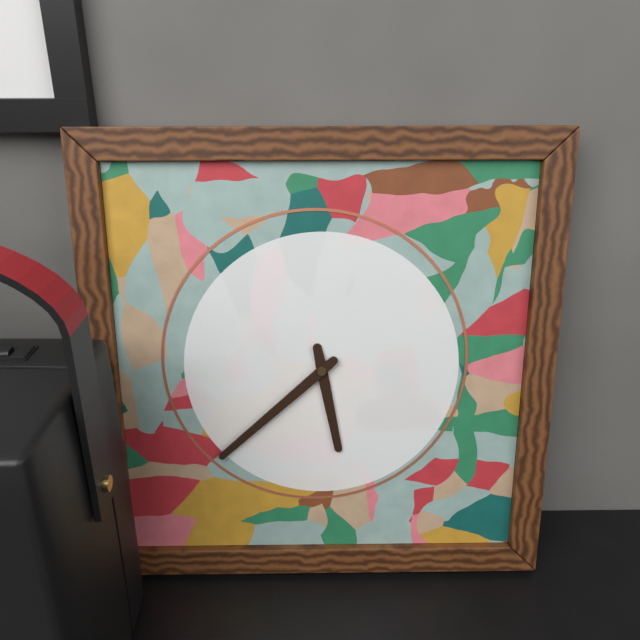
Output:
5 h 38 min
